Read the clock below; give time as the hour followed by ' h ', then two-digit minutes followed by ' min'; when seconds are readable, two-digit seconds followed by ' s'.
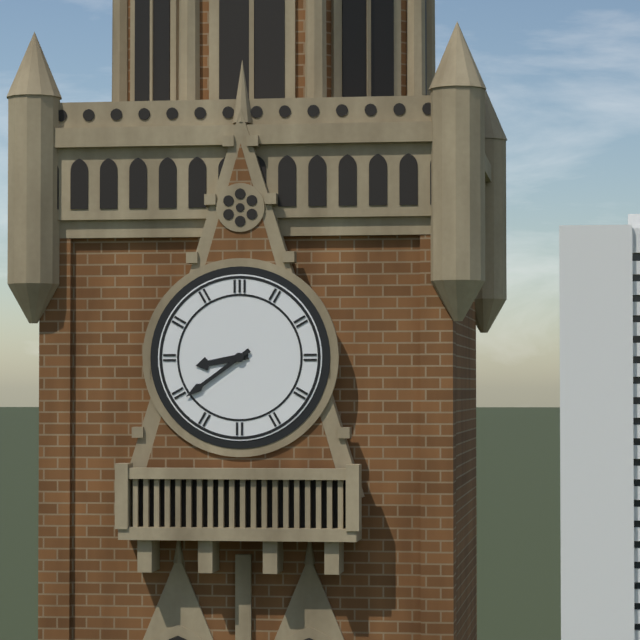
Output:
8 h 39 min
